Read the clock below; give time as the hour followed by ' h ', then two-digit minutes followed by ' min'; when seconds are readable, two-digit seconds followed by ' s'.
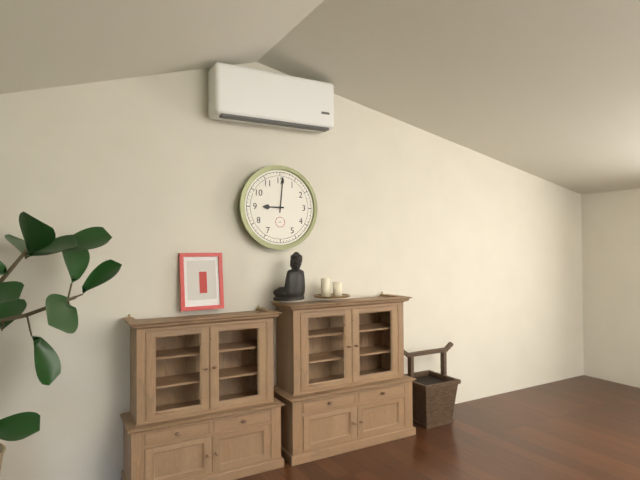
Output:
9 h 01 min
